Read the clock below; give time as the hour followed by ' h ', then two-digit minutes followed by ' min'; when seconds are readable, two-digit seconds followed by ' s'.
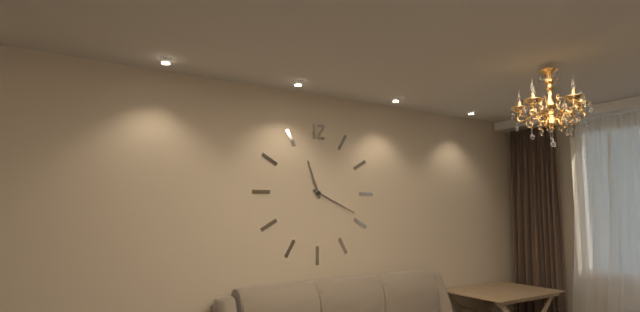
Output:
11 h 19 min
